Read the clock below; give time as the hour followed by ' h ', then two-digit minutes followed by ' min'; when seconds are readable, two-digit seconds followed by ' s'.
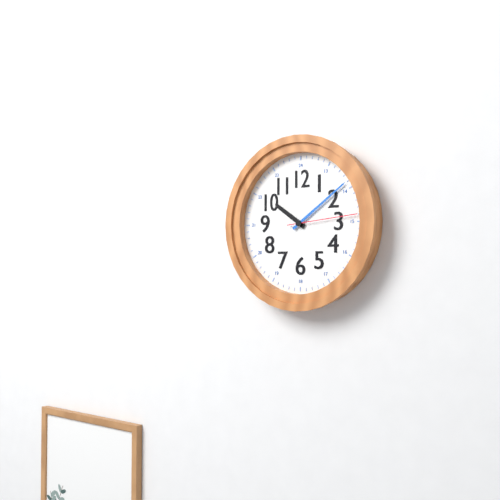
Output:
10 h 09 min 14 s
